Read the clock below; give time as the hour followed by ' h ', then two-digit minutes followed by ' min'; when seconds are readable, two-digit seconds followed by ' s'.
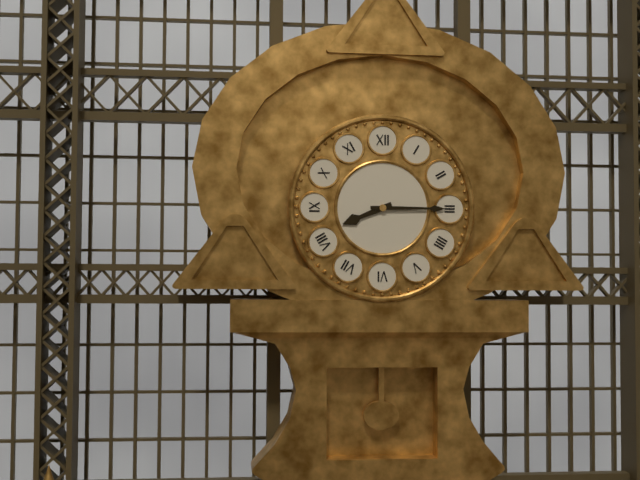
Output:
8 h 15 min
